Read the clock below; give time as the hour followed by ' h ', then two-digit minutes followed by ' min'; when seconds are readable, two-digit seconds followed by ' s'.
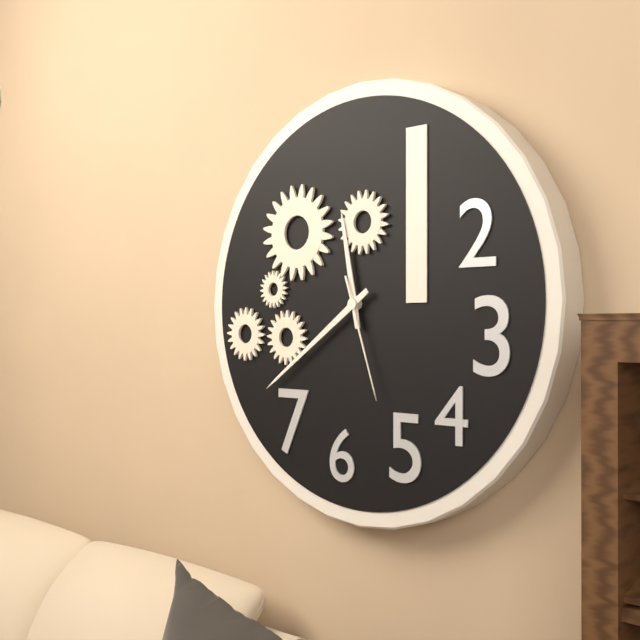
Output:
11 h 39 min 27 s
